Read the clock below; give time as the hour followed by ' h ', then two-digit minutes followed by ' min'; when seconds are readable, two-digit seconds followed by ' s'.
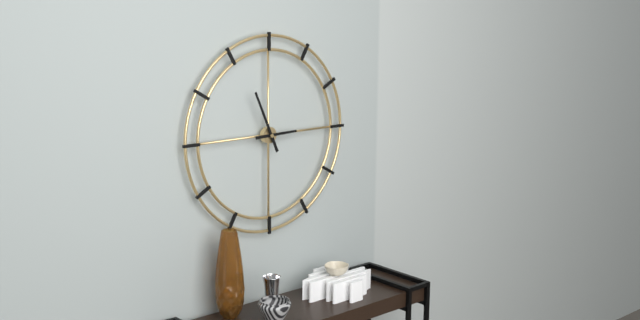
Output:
2 h 56 min
